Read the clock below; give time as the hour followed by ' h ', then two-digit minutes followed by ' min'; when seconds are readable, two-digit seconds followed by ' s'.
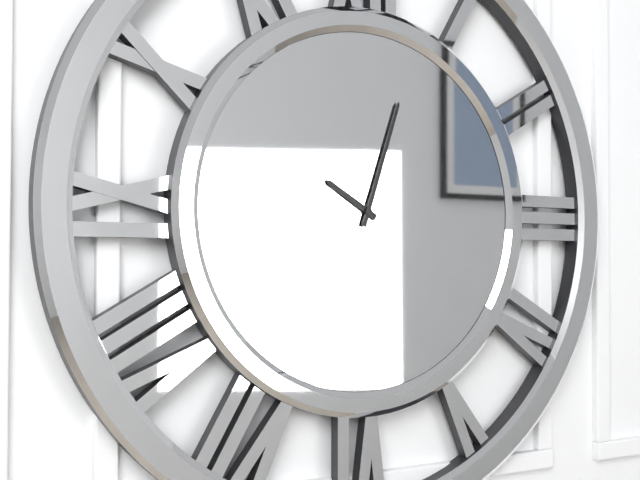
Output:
10 h 03 min
